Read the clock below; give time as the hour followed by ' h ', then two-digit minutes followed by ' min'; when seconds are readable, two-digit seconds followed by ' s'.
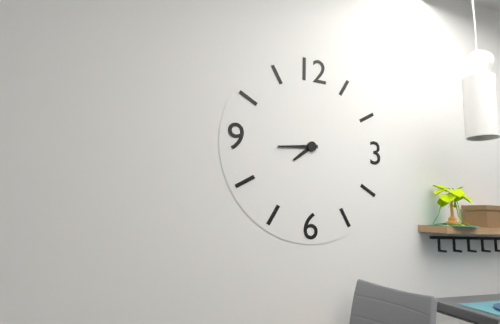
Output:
7 h 44 min
